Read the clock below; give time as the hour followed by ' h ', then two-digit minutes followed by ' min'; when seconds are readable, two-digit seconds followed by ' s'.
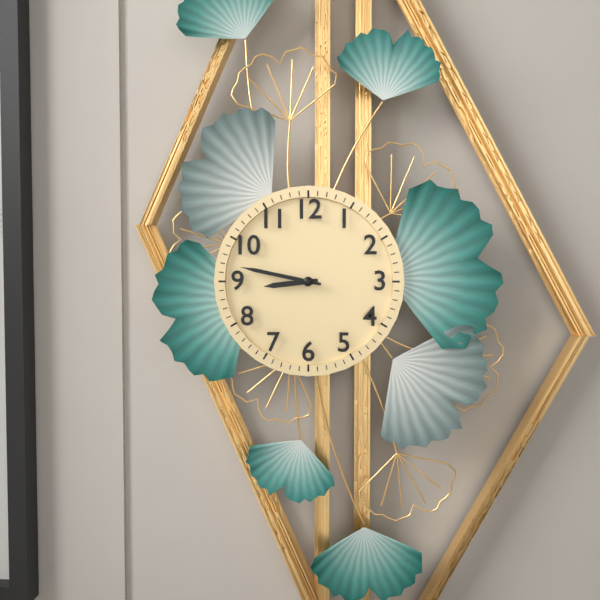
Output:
8 h 47 min
